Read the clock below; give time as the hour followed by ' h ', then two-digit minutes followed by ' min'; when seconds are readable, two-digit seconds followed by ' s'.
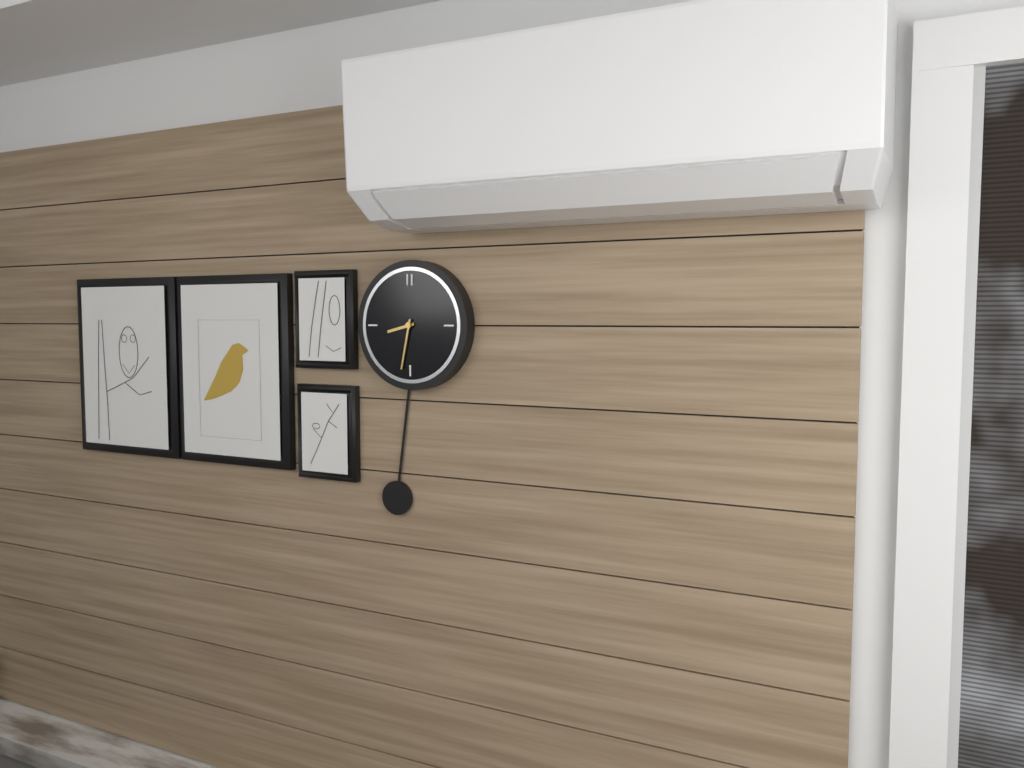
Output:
8 h 32 min
